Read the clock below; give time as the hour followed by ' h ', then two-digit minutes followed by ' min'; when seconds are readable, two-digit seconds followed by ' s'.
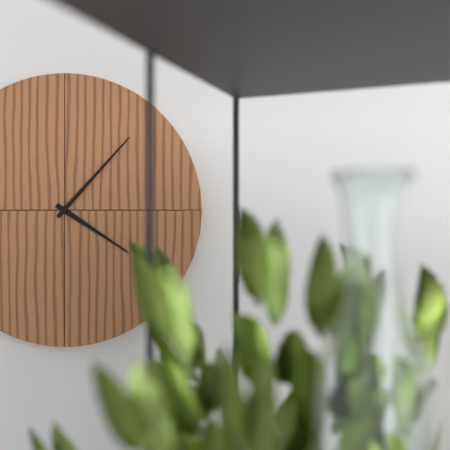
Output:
4 h 07 min
